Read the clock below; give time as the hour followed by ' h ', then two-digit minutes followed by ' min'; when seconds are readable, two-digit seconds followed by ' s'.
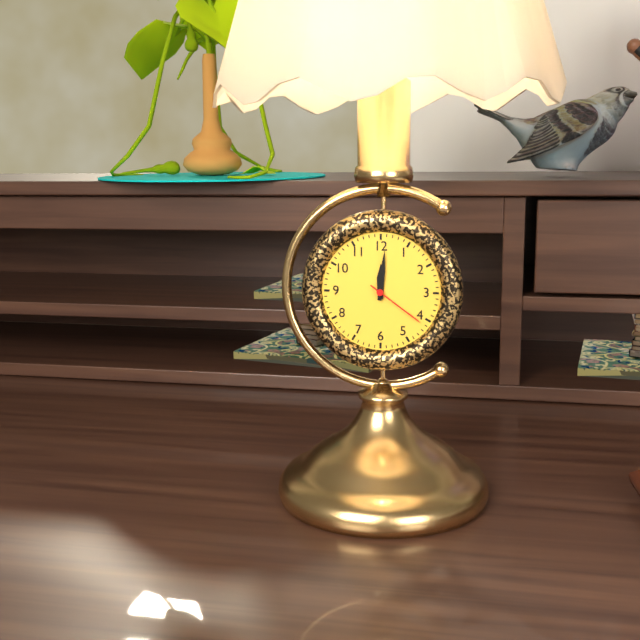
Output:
12 h 01 min 21 s
